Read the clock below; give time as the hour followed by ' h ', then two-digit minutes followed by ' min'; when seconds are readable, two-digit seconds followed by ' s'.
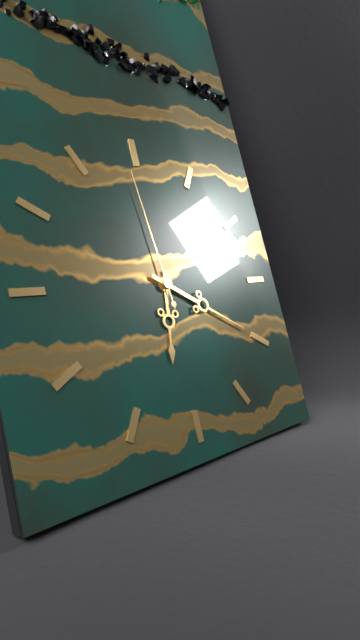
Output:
6 h 20 min 59 s
